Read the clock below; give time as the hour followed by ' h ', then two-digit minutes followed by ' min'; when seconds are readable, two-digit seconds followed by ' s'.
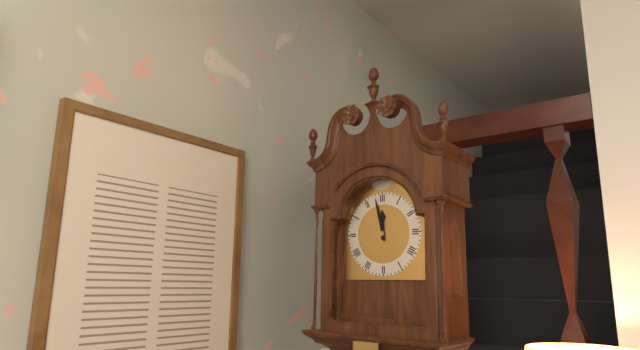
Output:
11 h 58 min
